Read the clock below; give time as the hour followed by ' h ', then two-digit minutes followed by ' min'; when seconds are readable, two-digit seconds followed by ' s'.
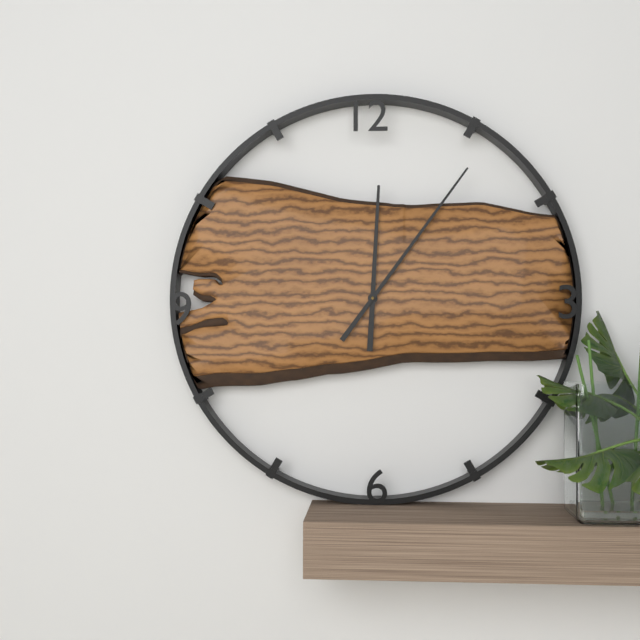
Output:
12 h 06 min
